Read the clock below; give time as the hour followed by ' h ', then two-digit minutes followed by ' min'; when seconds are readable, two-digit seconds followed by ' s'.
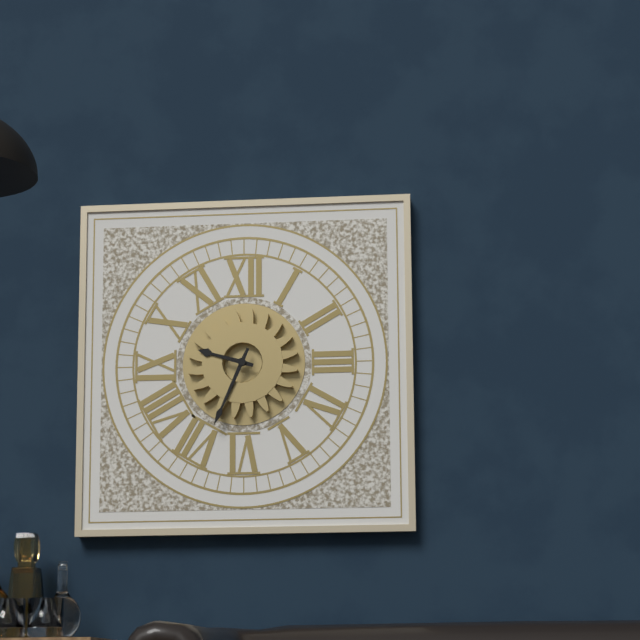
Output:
9 h 34 min
